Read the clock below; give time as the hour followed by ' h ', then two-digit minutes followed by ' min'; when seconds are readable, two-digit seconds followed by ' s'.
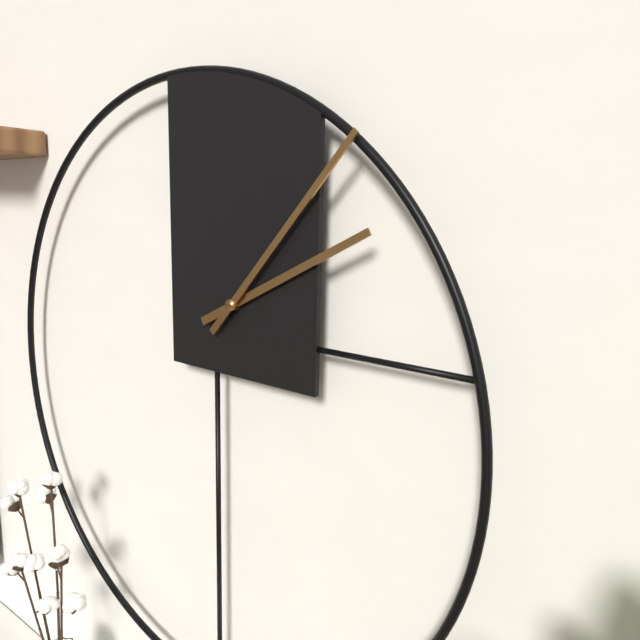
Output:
2 h 07 min
